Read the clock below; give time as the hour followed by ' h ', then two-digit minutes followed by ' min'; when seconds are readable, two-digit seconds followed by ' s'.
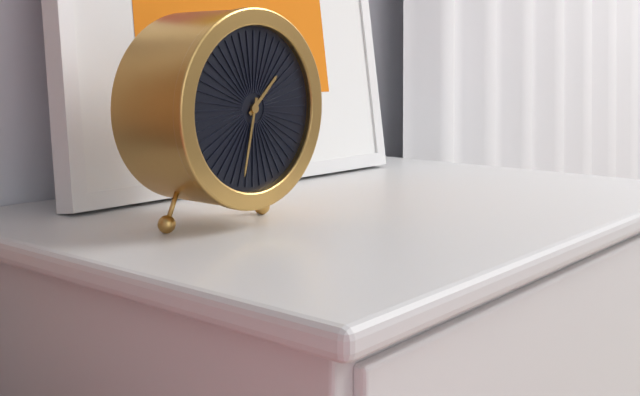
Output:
1 h 32 min
